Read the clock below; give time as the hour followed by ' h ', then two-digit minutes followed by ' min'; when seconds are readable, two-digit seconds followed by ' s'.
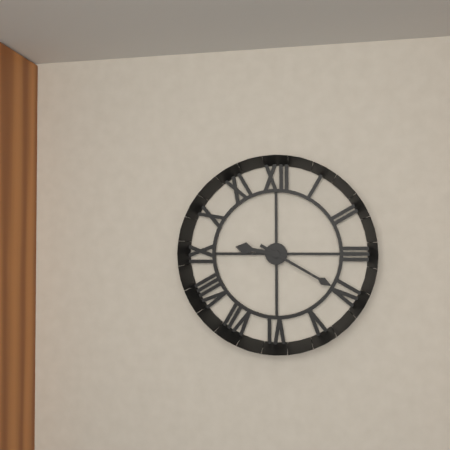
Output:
9 h 20 min
